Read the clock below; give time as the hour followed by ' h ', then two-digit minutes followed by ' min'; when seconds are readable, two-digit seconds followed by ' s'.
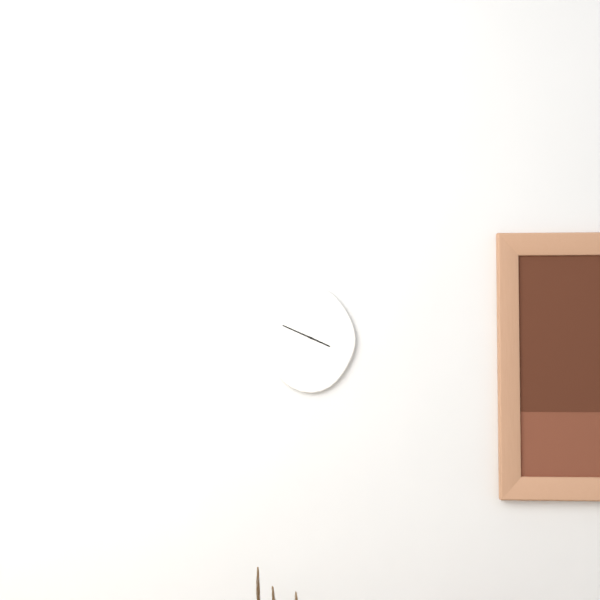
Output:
3 h 49 min
